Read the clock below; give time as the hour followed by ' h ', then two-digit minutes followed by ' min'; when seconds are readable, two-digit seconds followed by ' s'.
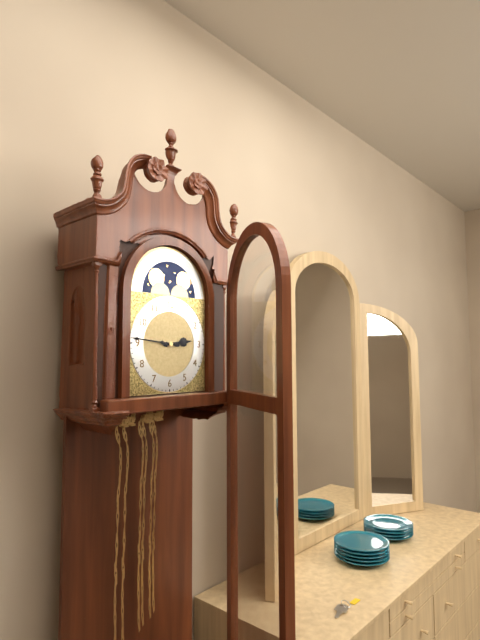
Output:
2 h 46 min
